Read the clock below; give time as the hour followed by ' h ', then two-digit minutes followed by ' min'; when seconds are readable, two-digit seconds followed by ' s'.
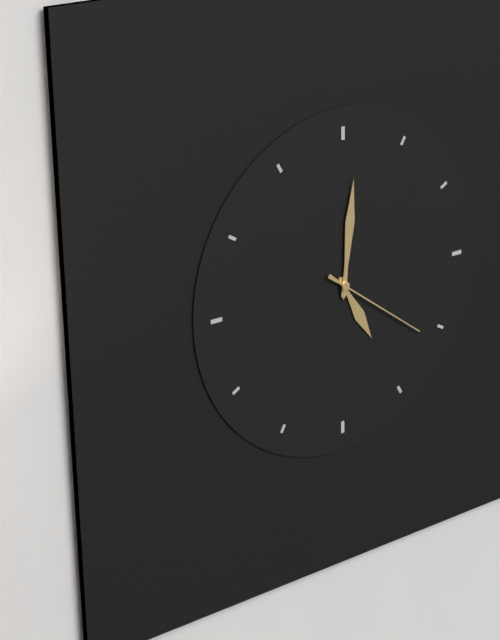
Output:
5 h 01 min 21 s
